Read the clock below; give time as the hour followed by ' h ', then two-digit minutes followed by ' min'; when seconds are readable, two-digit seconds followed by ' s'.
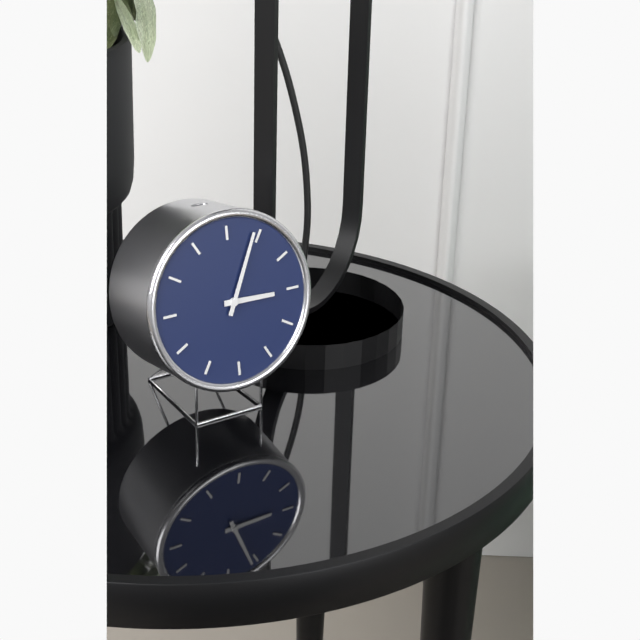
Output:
3 h 04 min
